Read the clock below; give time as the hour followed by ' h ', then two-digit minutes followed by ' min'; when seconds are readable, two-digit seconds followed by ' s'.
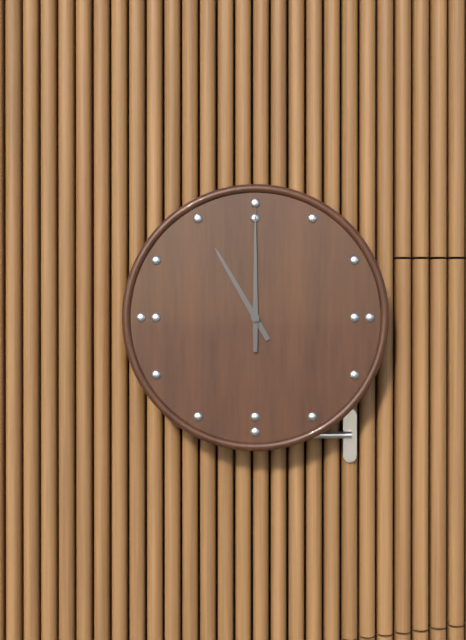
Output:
11 h 00 min
